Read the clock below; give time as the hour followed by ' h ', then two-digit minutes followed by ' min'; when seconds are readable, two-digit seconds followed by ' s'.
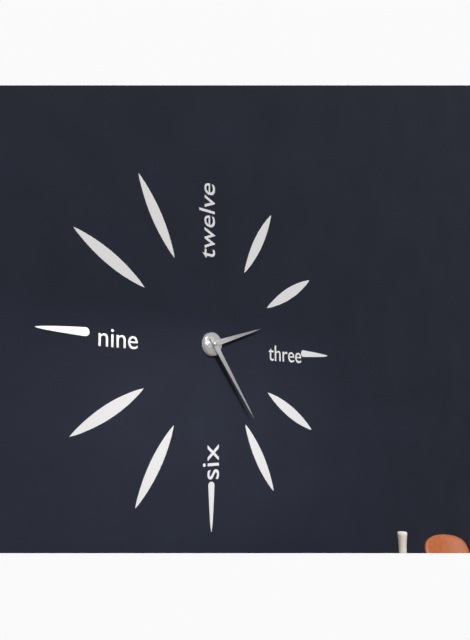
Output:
2 h 24 min
